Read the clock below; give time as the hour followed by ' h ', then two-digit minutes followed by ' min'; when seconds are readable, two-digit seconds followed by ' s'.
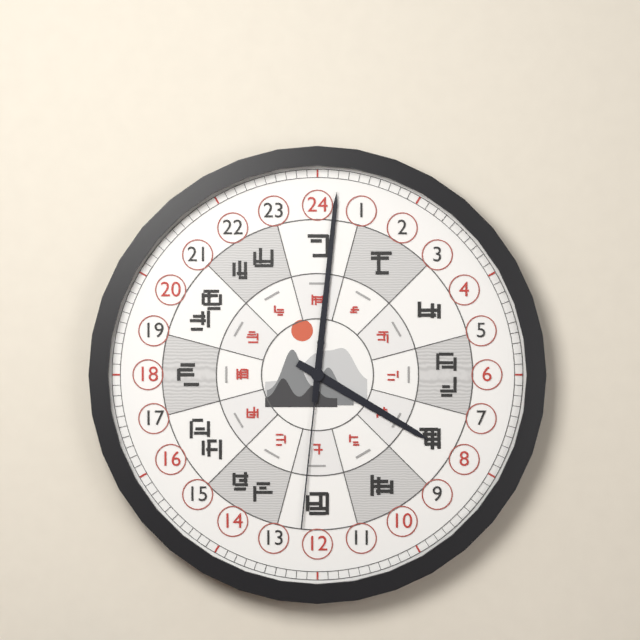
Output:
4 h 01 min 31 s
